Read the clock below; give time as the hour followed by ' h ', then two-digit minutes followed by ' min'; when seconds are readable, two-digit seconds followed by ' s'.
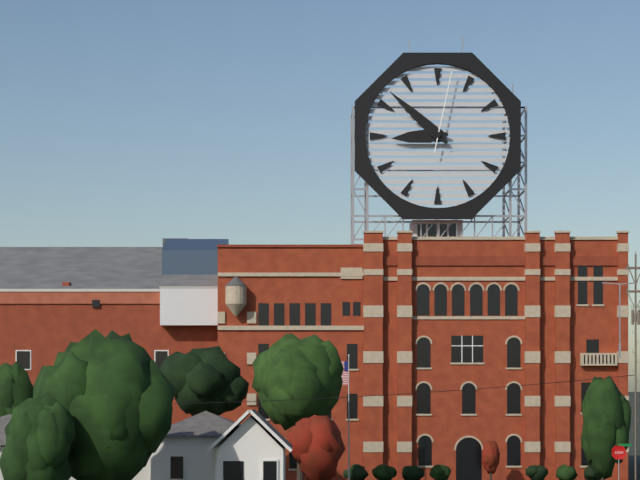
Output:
8 h 52 min 02 s
